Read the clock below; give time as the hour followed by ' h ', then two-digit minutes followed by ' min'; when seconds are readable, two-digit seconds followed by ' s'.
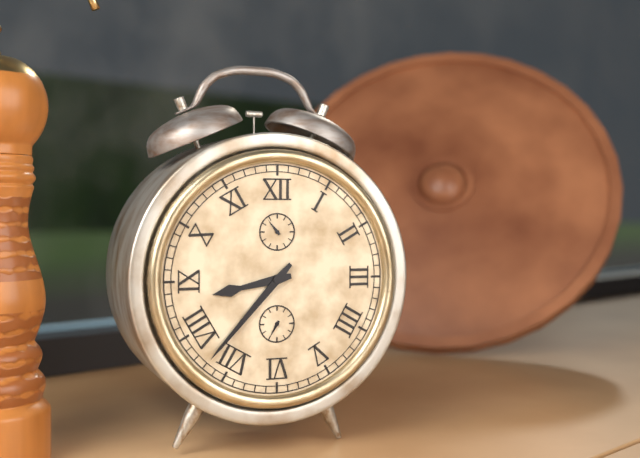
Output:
8 h 37 min
